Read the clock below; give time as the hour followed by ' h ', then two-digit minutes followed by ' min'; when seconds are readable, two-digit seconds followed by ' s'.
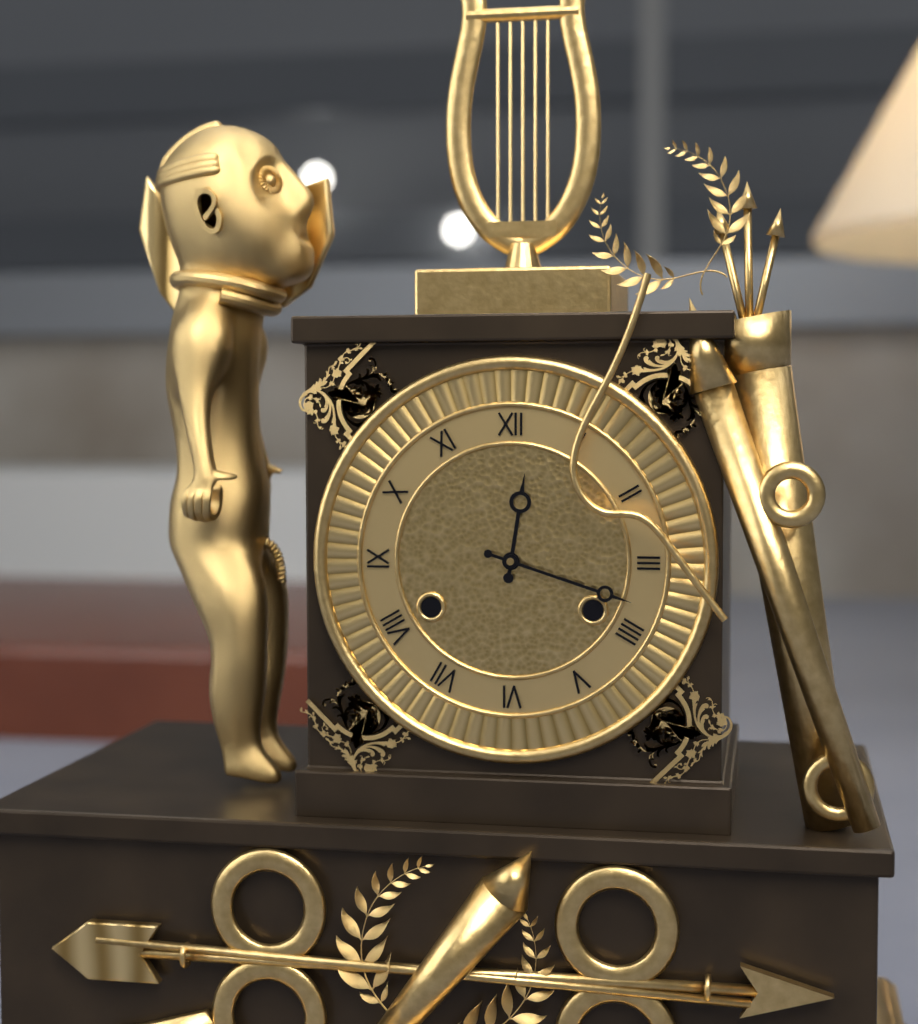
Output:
12 h 18 min
